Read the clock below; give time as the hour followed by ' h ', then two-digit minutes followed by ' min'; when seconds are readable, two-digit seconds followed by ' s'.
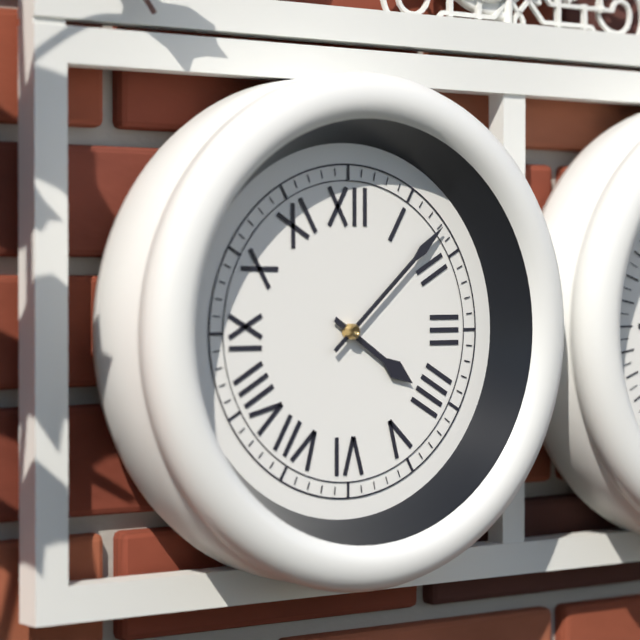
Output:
4 h 08 min
